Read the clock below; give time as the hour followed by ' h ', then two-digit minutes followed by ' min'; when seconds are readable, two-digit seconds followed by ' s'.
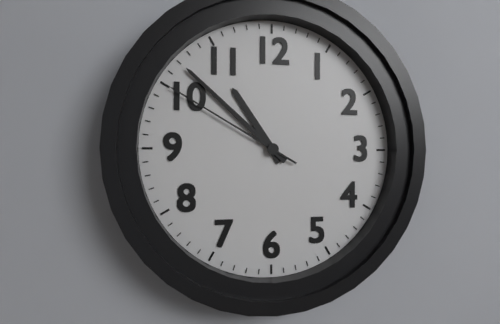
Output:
10 h 52 min 50 s
